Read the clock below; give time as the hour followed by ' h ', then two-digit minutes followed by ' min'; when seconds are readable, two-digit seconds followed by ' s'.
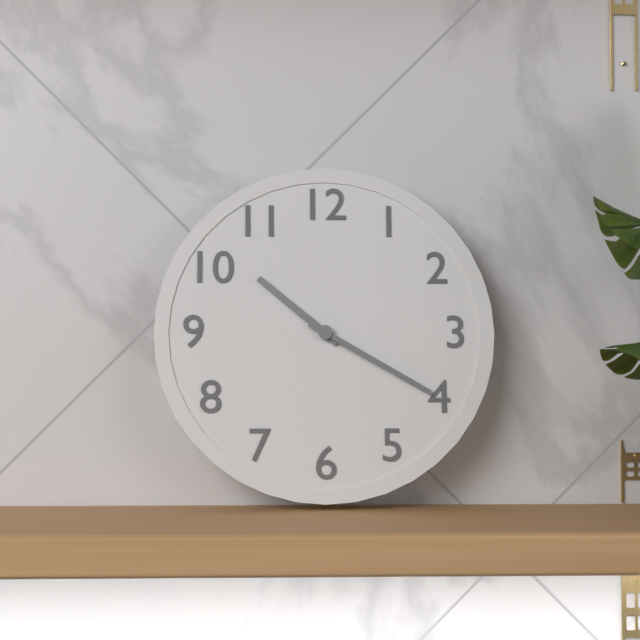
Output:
10 h 20 min
